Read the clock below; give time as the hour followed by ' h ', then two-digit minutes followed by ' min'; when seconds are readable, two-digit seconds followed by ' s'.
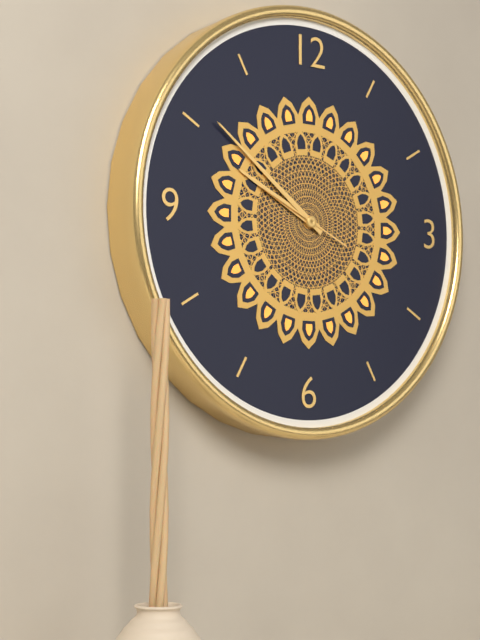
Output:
9 h 51 min 49 s
